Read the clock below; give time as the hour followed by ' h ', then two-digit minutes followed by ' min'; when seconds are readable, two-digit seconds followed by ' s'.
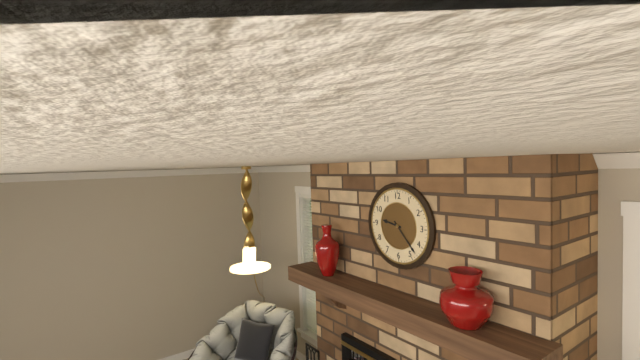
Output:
9 h 23 min
